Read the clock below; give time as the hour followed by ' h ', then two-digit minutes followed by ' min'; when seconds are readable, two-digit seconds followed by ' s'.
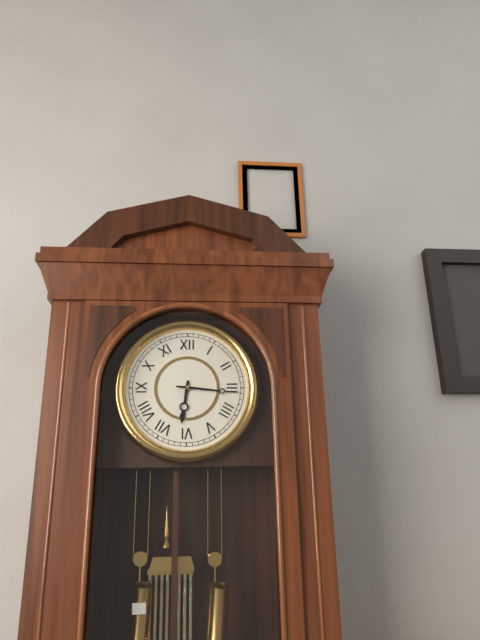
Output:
6 h 16 min
